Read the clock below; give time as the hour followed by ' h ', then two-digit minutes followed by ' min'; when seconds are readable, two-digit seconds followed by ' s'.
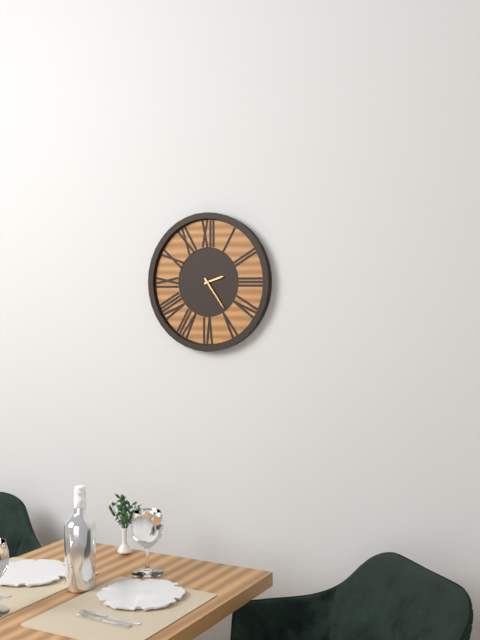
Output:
2 h 24 min
